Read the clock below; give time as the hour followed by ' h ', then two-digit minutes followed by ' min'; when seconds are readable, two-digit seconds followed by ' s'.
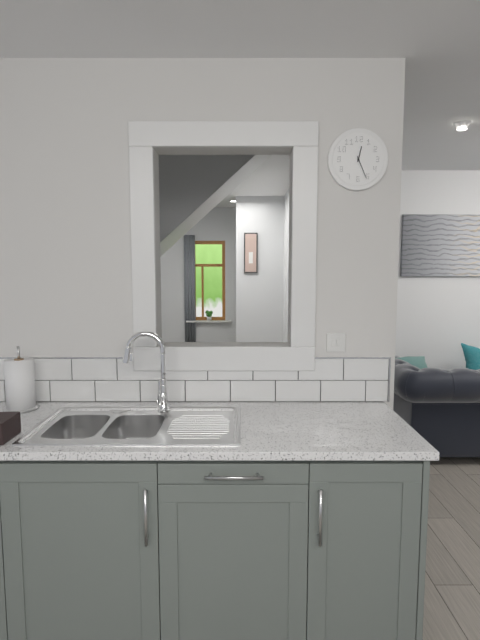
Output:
12 h 26 min
